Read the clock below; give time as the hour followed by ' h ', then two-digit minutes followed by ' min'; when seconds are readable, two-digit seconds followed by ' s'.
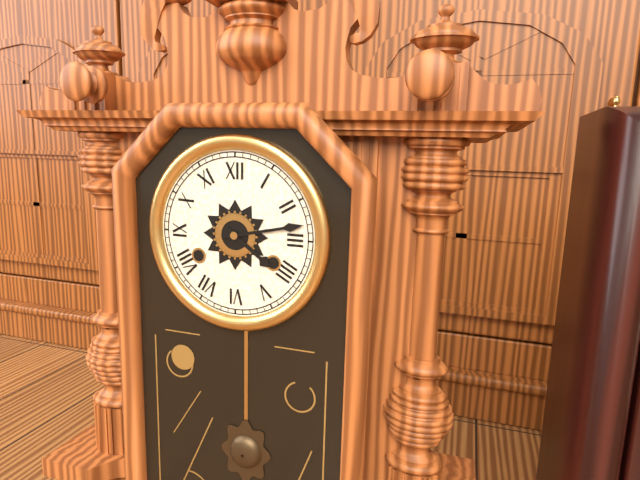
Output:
4 h 13 min
